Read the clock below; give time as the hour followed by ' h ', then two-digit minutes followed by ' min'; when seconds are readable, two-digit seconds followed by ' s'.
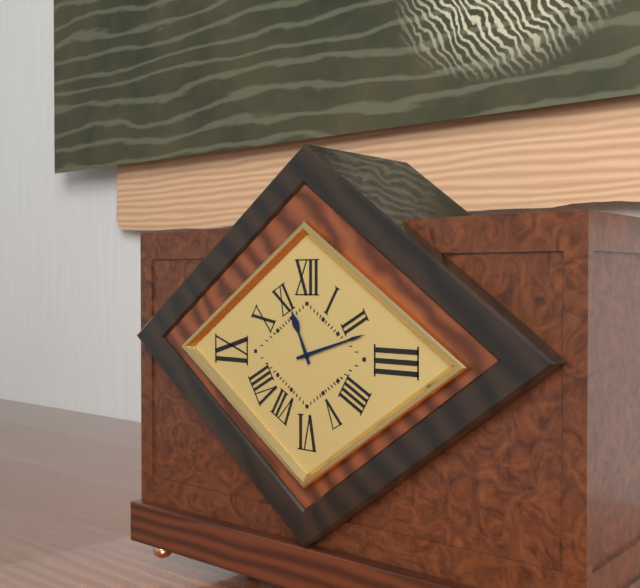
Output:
11 h 12 min
